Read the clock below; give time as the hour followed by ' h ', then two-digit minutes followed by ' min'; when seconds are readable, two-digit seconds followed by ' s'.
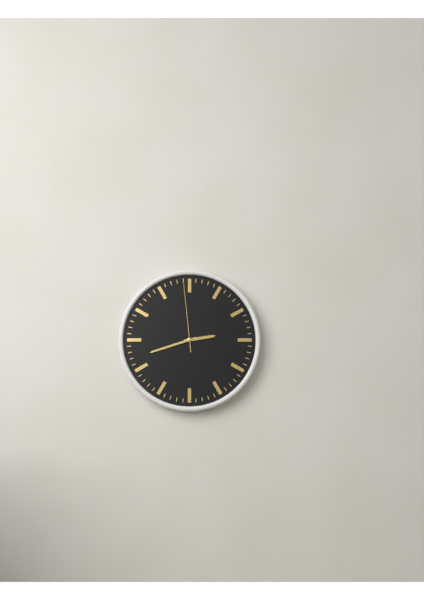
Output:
2 h 42 min 59 s
